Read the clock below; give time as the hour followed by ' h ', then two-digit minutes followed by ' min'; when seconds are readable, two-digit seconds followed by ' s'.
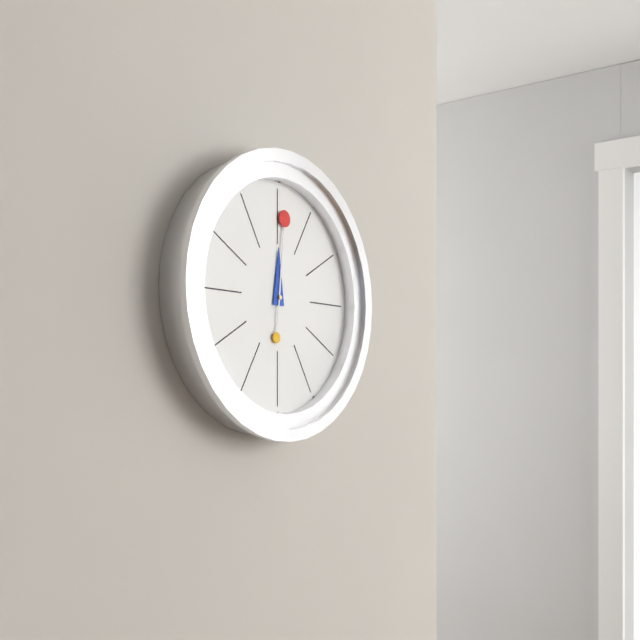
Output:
12 h 01 min
